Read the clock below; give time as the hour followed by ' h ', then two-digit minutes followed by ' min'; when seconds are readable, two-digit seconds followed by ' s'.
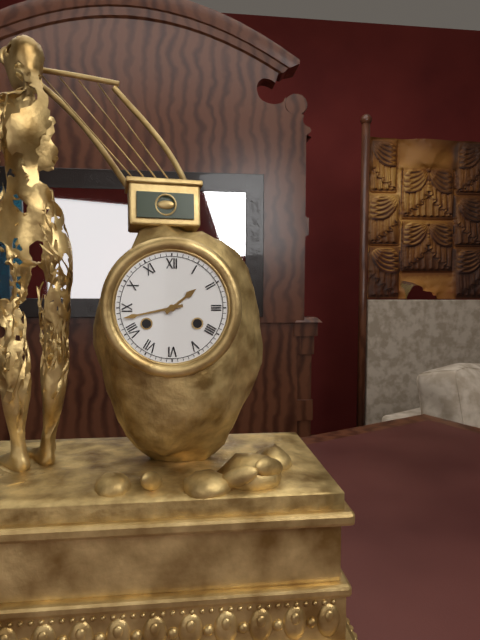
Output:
1 h 43 min
